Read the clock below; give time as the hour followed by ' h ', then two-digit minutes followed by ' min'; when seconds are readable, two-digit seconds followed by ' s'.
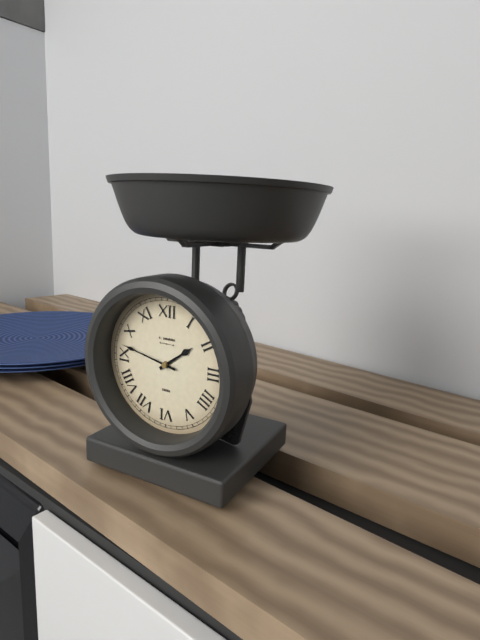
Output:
1 h 47 min
